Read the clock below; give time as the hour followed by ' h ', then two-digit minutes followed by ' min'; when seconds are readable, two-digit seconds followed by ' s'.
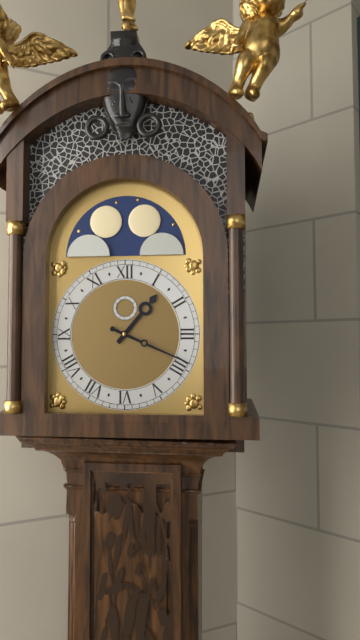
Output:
1 h 19 min
